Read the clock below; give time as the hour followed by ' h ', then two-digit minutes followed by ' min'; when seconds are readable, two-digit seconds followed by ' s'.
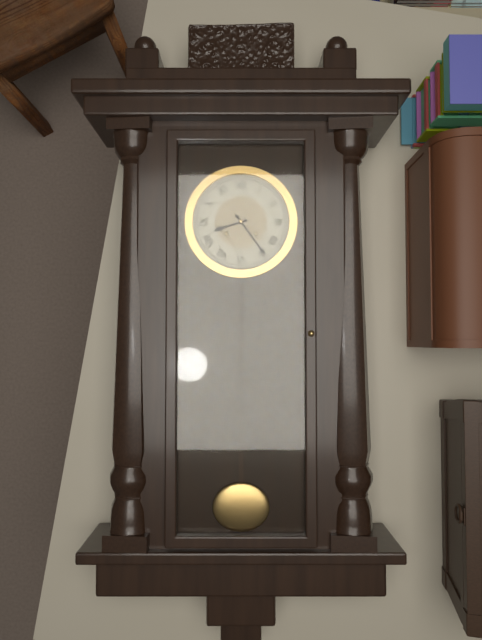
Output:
8 h 24 min
